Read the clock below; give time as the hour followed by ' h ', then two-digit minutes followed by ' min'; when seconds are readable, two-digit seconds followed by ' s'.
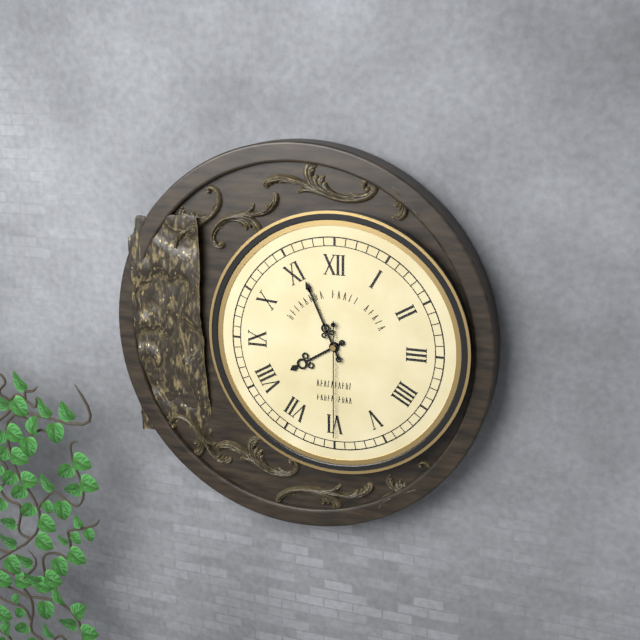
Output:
7 h 56 min 30 s
